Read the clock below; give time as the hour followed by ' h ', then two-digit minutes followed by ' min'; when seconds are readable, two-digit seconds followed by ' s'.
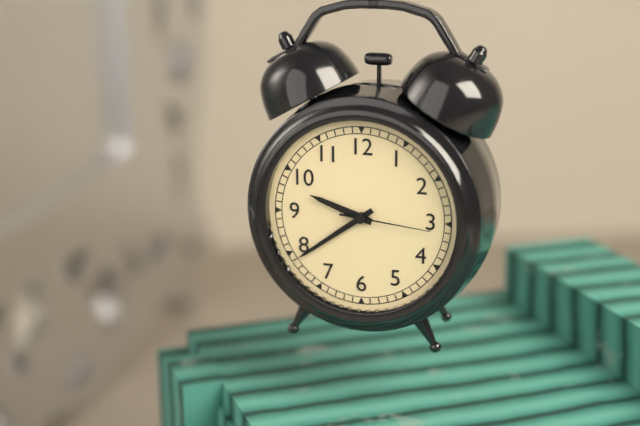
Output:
9 h 39 min 16 s
